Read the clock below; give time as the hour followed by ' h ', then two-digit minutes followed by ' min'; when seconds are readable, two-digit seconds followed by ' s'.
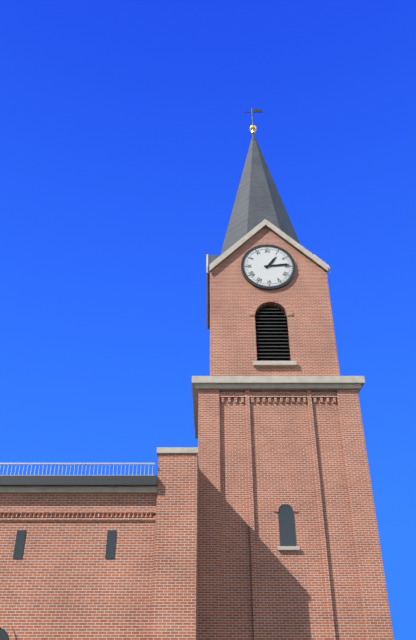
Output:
1 h 14 min
